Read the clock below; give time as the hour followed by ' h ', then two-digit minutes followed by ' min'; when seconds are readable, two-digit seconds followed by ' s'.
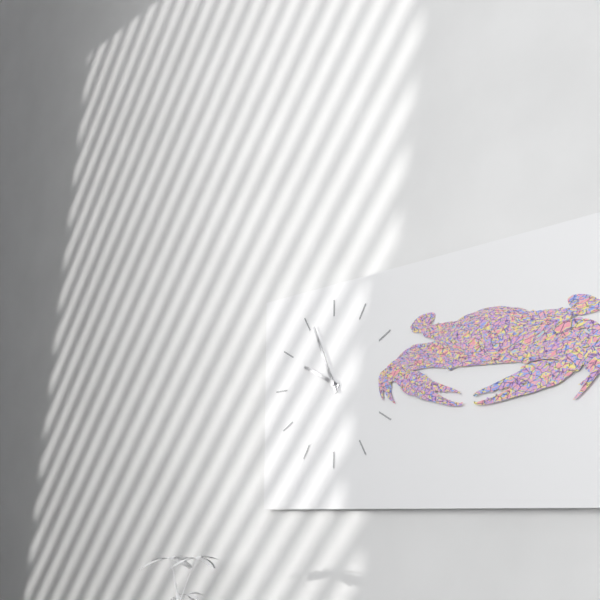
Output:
9 h 56 min
